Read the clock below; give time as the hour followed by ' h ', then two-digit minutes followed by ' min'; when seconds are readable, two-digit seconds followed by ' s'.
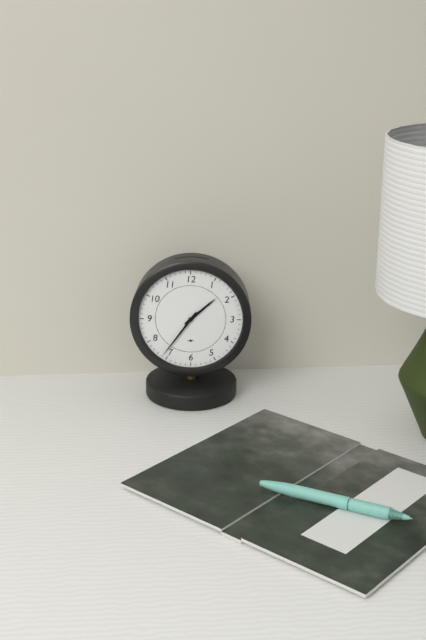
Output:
1 h 36 min
